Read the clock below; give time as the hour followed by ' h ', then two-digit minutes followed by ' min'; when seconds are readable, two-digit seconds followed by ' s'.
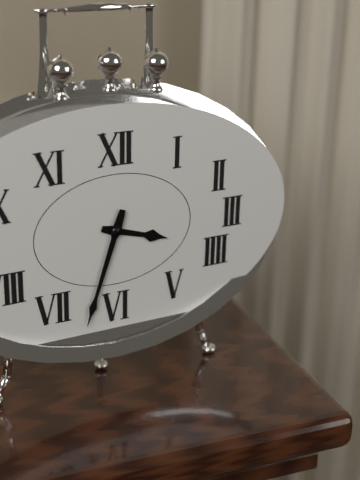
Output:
3 h 33 min
